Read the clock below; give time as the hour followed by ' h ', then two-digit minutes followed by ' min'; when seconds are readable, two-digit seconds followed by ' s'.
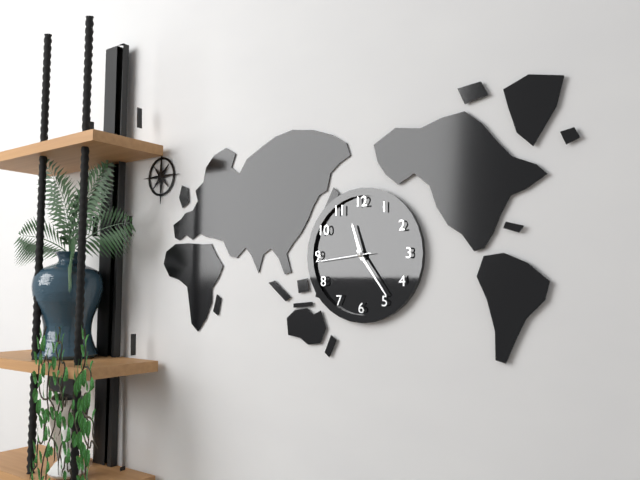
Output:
11 h 24 min 44 s
